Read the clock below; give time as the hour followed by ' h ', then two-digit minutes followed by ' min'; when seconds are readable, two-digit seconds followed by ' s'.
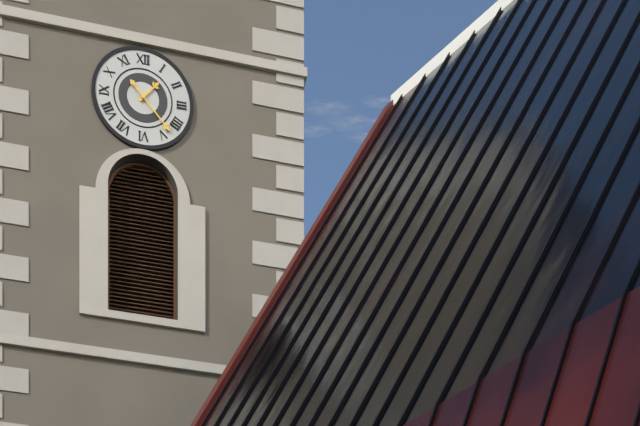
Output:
1 h 23 min
